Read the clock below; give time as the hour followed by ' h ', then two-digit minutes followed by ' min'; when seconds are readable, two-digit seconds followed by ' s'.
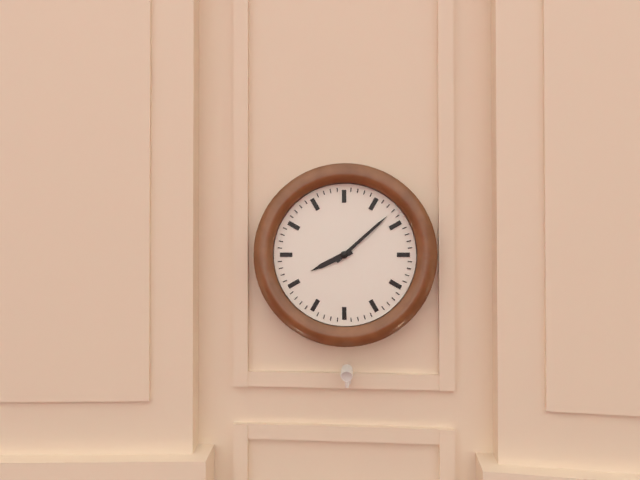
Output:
8 h 08 min
